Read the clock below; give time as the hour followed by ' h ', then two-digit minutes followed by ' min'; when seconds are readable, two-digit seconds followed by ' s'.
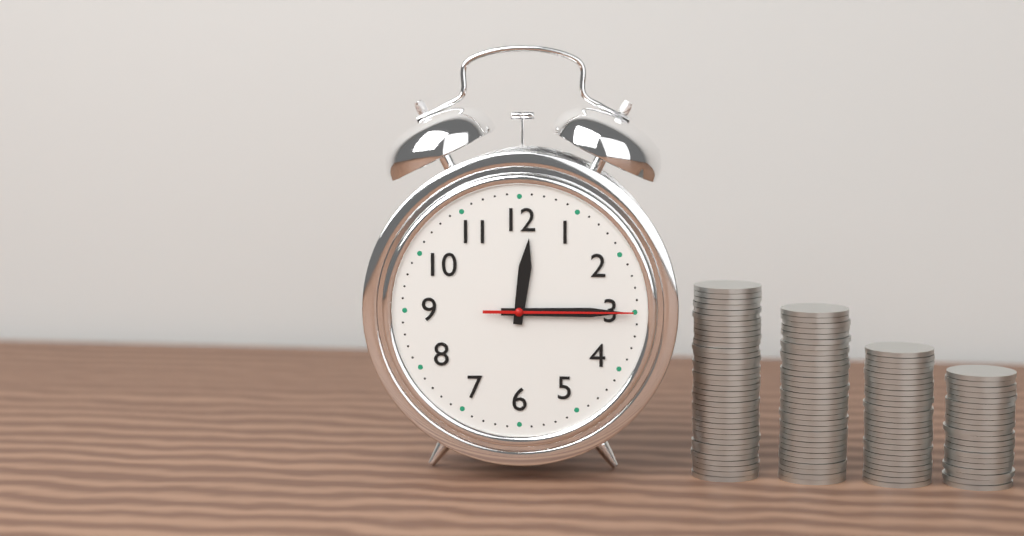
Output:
12 h 15 min 15 s
